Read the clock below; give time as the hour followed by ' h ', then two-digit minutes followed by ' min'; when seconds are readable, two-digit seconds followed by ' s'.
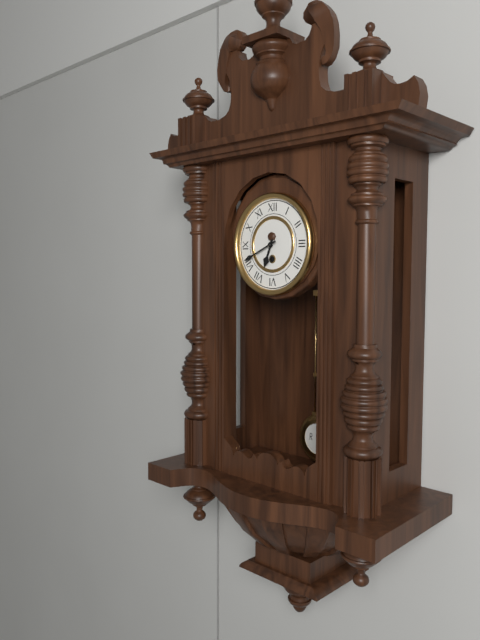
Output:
6 h 41 min
